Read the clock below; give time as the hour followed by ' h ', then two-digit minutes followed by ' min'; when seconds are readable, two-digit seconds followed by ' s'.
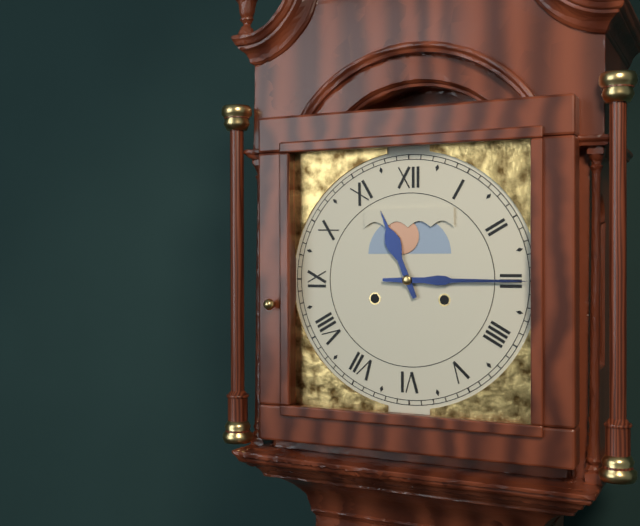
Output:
11 h 15 min
